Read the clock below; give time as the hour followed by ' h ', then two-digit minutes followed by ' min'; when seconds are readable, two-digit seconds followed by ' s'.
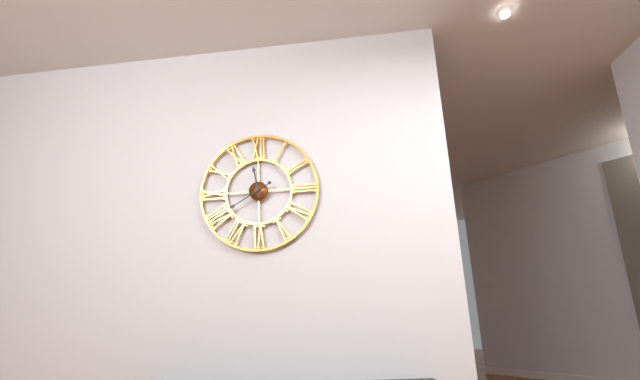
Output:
11 h 40 min
